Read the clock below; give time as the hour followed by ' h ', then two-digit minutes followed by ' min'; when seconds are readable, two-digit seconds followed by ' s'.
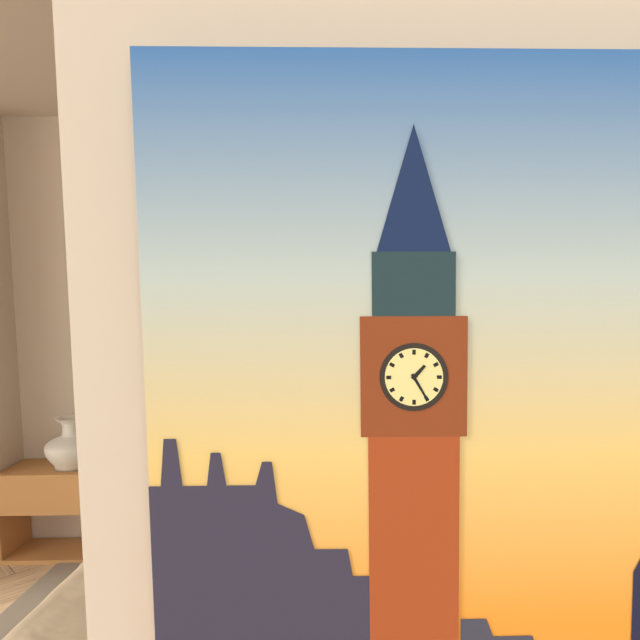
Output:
1 h 25 min
